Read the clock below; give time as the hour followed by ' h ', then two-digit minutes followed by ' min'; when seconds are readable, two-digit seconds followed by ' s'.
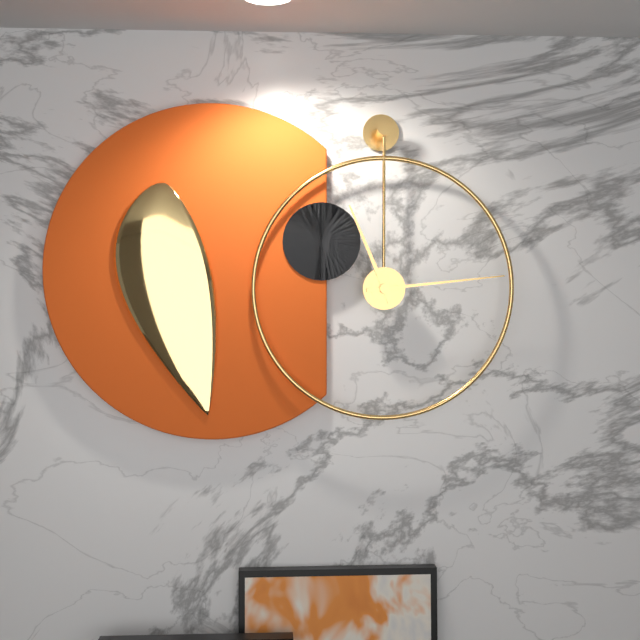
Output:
11 h 14 min
